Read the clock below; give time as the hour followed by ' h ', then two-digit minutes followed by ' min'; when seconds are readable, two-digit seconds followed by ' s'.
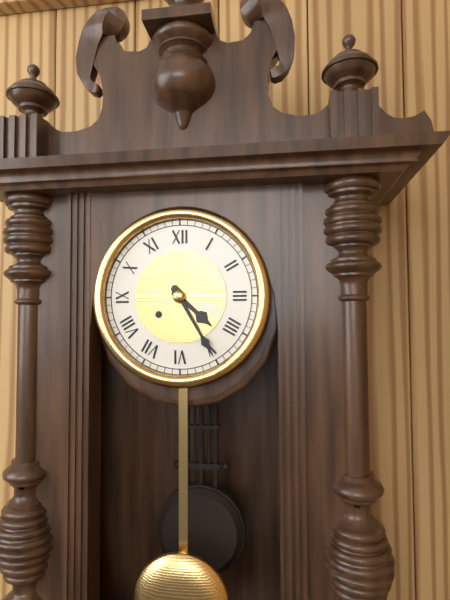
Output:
4 h 25 min
